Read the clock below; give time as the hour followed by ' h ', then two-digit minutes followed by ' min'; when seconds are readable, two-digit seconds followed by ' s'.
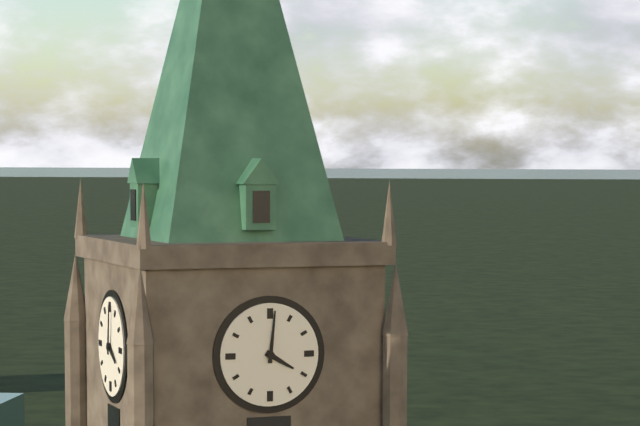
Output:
4 h 01 min
